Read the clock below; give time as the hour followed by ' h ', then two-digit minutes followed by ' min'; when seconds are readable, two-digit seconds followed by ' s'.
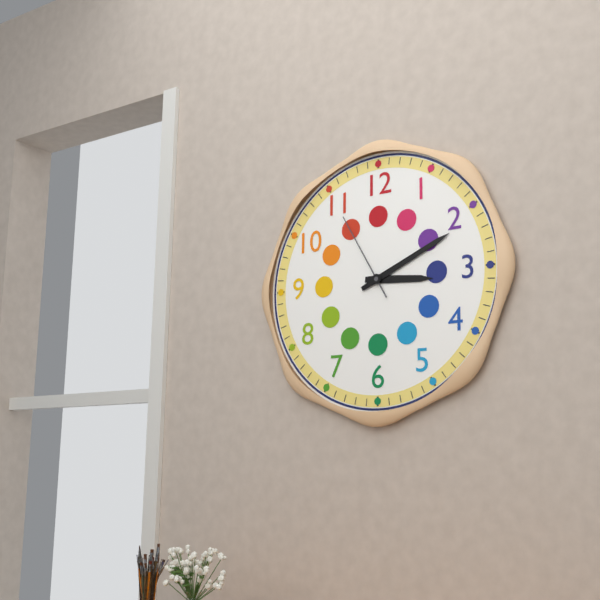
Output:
3 h 11 min 55 s
